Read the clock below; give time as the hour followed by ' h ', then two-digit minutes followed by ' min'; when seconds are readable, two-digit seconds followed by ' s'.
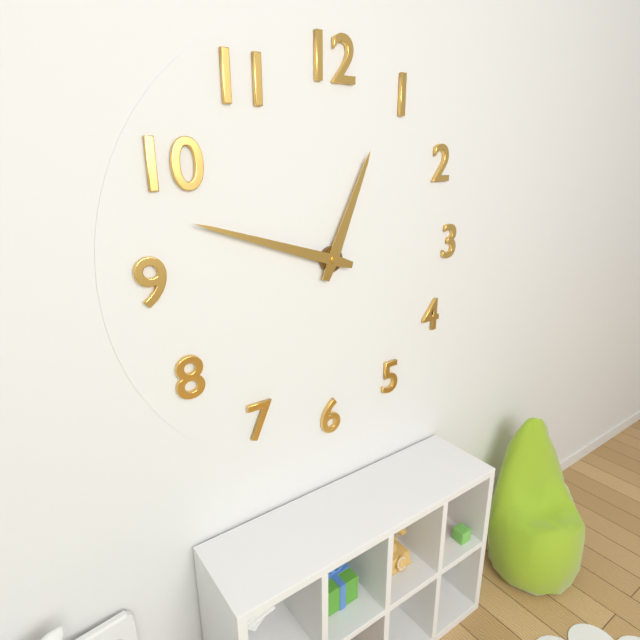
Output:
12 h 48 min
